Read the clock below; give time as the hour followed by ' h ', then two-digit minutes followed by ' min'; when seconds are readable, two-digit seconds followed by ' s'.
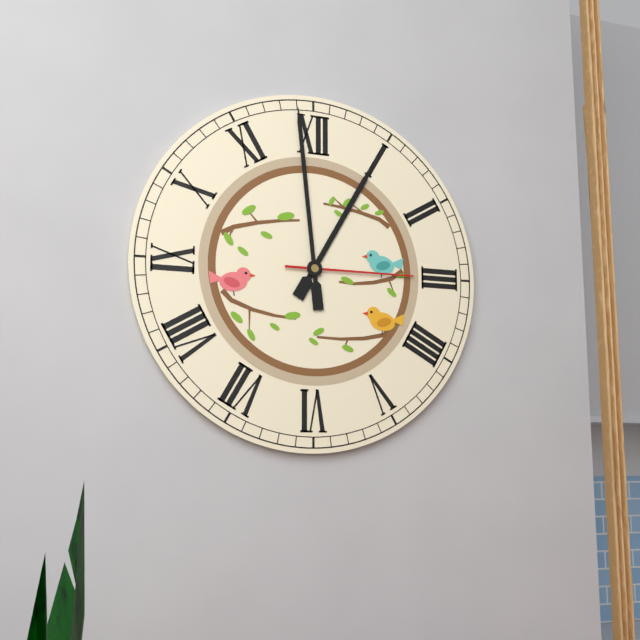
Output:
12 h 59 min 15 s
